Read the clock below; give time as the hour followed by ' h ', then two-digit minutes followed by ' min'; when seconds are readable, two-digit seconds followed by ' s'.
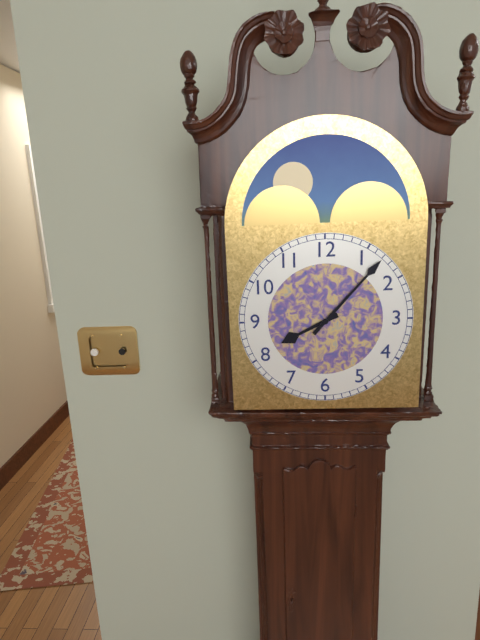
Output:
8 h 07 min
